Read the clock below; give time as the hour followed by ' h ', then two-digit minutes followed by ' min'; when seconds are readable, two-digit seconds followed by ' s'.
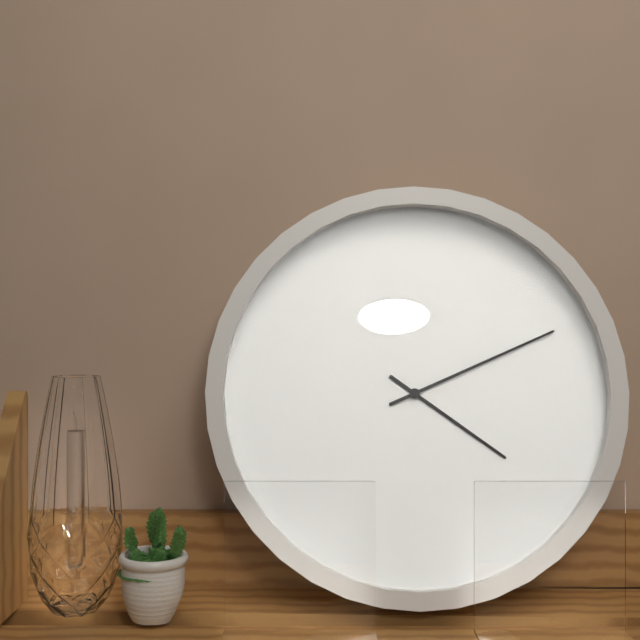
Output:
4 h 11 min
